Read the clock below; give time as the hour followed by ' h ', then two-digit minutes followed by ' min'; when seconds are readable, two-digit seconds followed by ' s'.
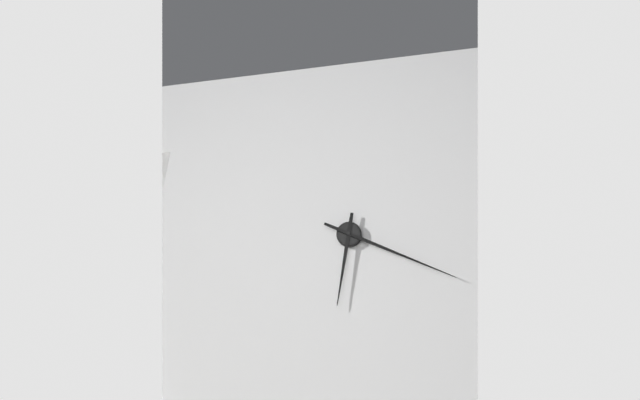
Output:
6 h 19 min
